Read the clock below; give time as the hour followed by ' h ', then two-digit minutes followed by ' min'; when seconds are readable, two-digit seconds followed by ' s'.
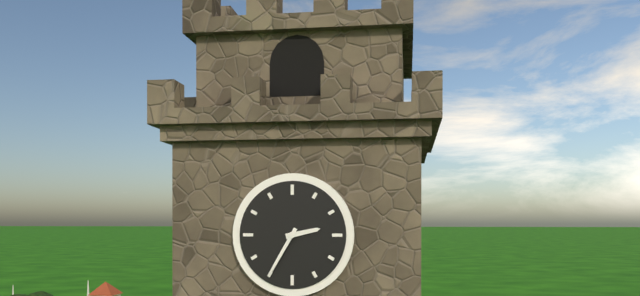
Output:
2 h 35 min
